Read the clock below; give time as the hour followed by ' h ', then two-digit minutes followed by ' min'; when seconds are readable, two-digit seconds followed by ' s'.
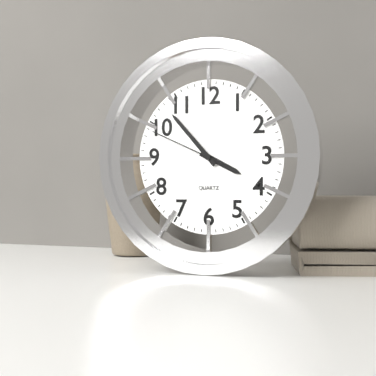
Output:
3 h 53 min 49 s
